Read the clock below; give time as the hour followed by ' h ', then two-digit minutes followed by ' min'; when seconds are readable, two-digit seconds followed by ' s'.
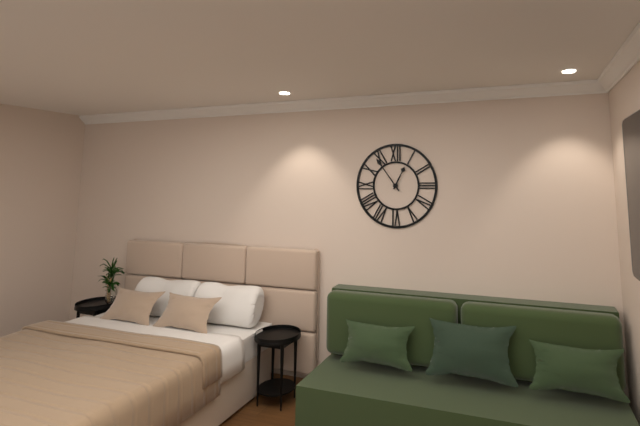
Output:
12 h 54 min
